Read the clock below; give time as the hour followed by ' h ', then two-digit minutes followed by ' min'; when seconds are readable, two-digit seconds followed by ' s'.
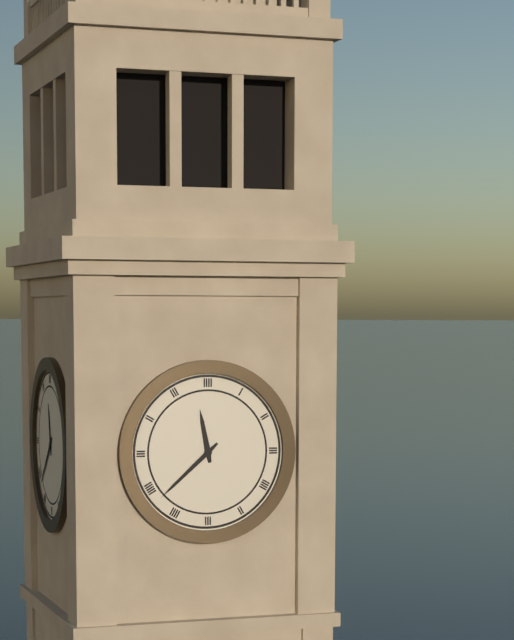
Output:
11 h 38 min
